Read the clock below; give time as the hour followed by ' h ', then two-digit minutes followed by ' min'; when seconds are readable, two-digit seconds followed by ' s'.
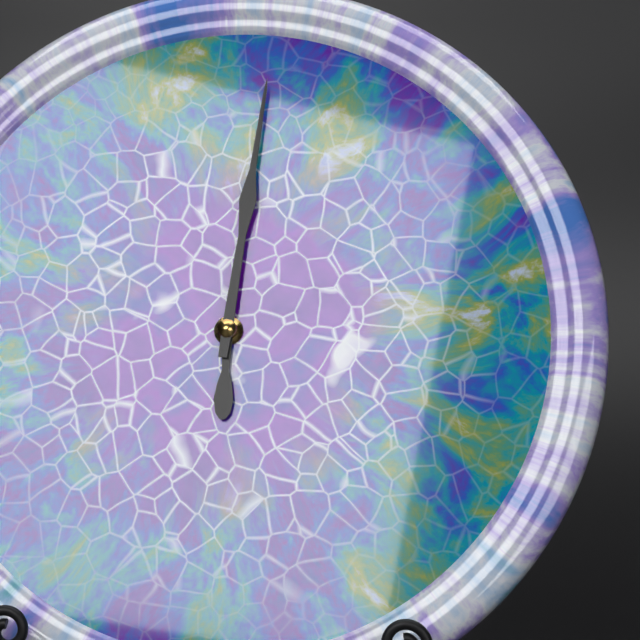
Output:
6 h 01 min
